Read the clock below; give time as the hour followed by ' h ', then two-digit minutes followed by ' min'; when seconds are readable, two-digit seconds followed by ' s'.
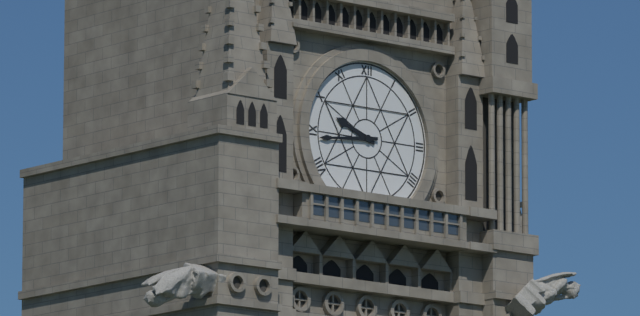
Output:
9 h 44 min
